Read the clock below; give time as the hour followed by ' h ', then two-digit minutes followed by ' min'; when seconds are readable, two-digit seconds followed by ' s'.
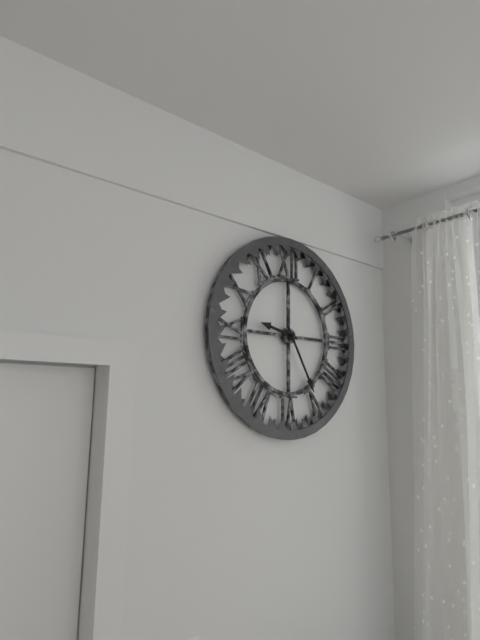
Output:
9 h 25 min
